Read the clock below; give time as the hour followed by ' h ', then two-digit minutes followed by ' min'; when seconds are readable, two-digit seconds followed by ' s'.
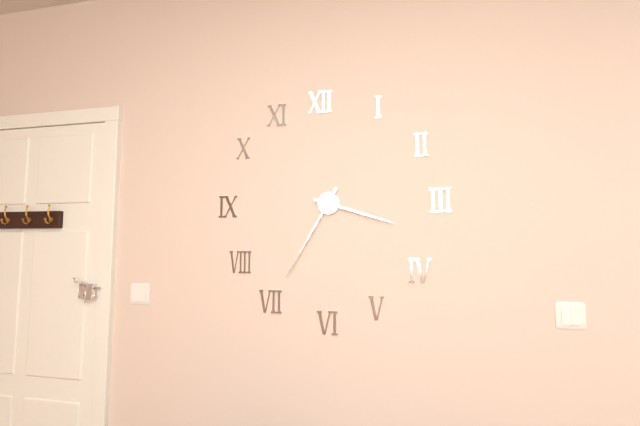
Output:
3 h 35 min
